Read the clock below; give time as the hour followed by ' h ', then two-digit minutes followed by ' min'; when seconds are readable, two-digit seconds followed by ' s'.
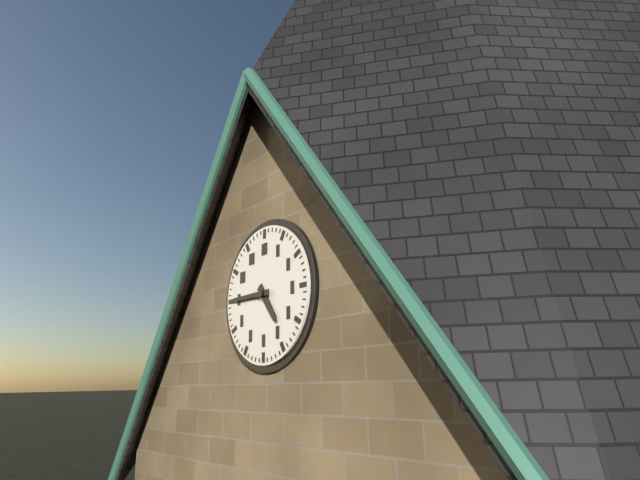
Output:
4 h 45 min
